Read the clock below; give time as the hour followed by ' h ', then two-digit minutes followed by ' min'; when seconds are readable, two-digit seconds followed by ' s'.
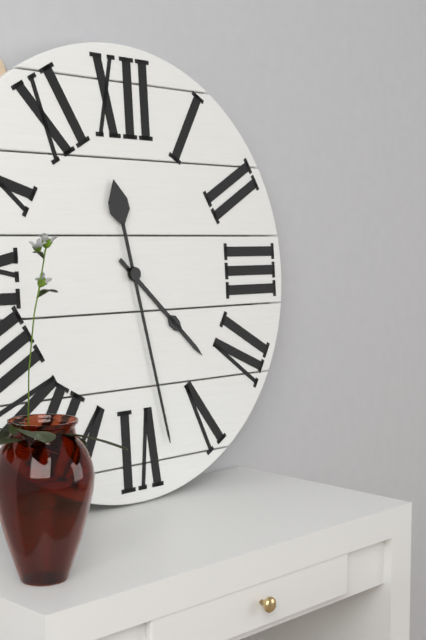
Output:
4 h 28 min
